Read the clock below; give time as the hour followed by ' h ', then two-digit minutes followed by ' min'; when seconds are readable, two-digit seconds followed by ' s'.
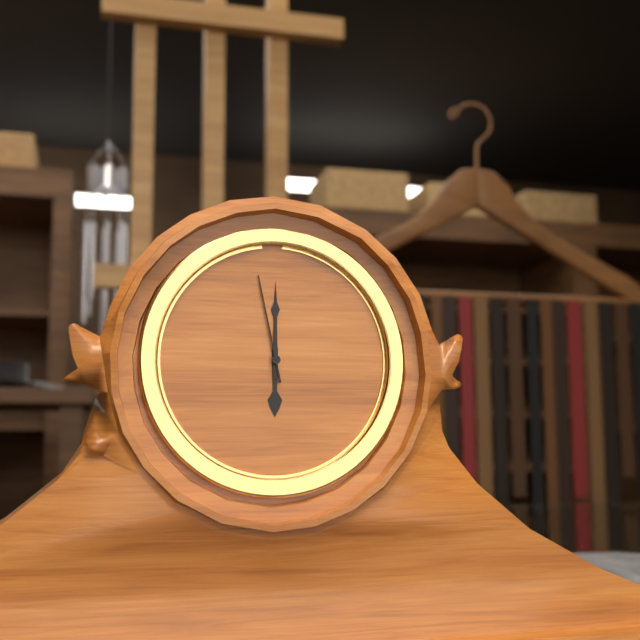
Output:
6 h 00 min 58 s
